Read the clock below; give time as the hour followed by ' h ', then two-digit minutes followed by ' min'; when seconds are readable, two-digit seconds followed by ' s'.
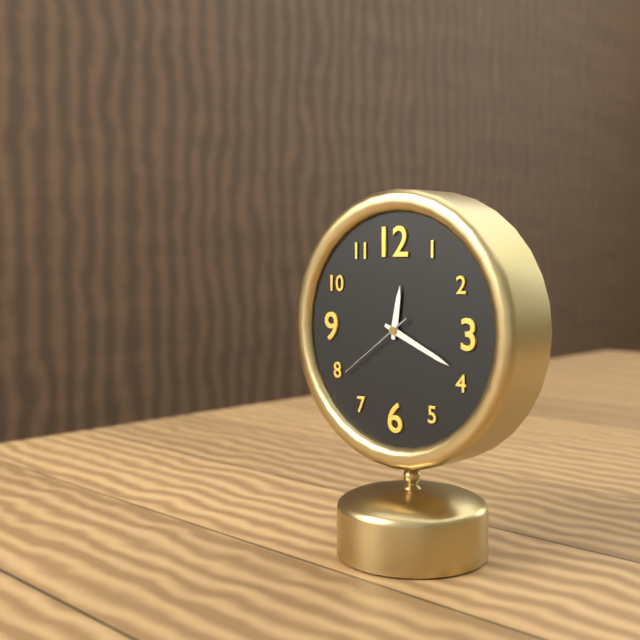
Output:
12 h 19 min 39 s
